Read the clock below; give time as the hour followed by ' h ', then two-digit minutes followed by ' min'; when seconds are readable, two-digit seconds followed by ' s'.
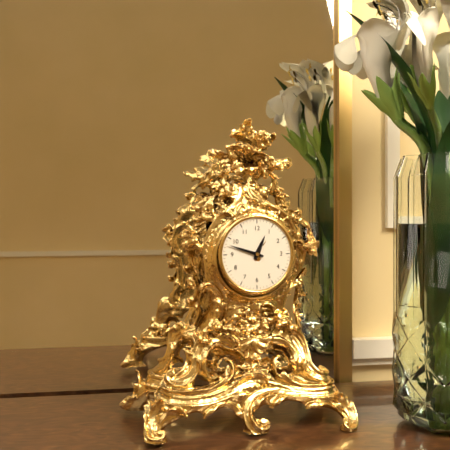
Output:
12 h 48 min
